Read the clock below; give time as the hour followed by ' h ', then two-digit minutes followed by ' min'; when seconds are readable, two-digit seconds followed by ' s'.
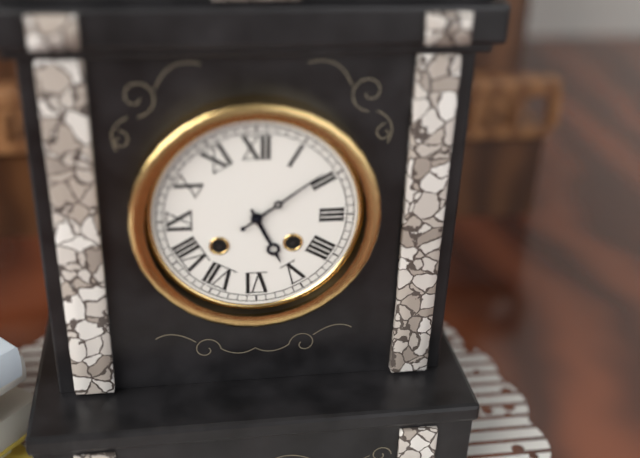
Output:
5 h 09 min
